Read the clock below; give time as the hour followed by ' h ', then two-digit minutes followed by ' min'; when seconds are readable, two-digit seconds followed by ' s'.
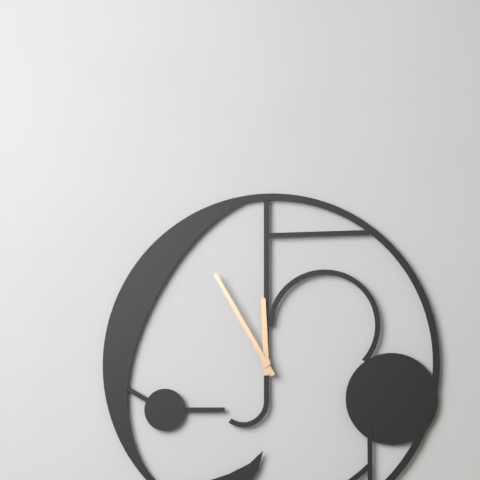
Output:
11 h 55 min
